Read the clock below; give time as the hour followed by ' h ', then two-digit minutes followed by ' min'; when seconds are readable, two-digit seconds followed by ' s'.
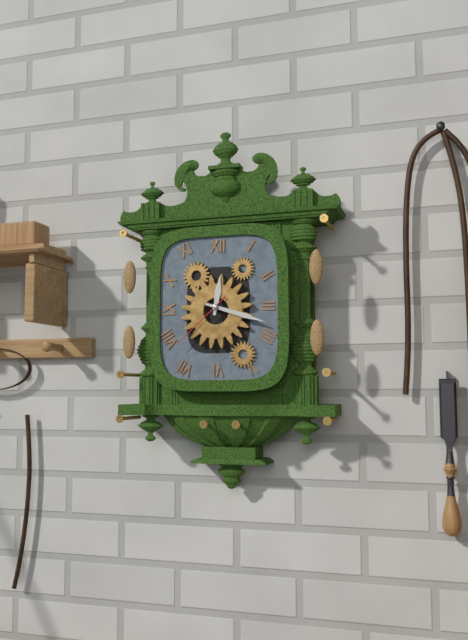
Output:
12 h 18 min 38 s
